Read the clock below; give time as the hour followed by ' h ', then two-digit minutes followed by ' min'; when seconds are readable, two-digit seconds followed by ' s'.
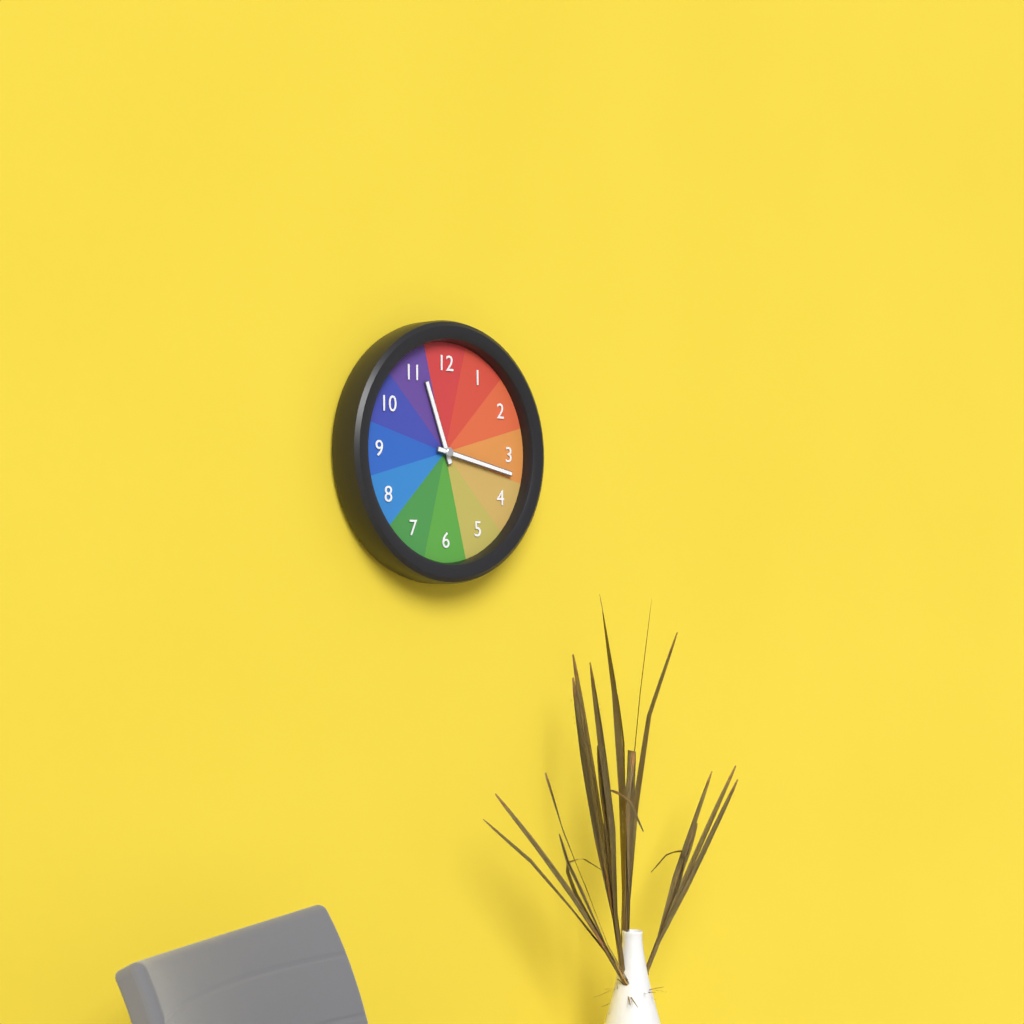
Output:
11 h 17 min
